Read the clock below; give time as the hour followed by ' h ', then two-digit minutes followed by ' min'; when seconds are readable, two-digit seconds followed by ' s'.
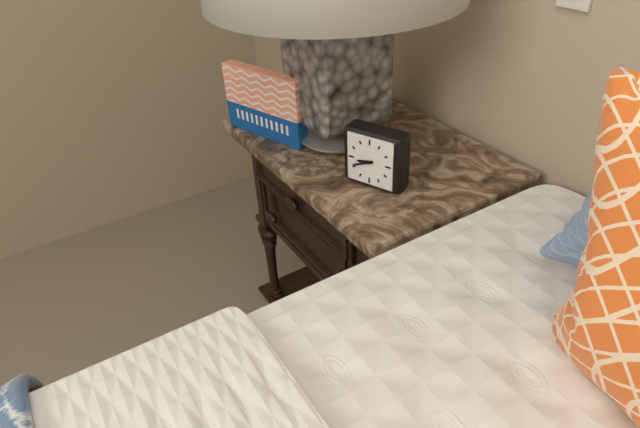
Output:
8 h 41 min
